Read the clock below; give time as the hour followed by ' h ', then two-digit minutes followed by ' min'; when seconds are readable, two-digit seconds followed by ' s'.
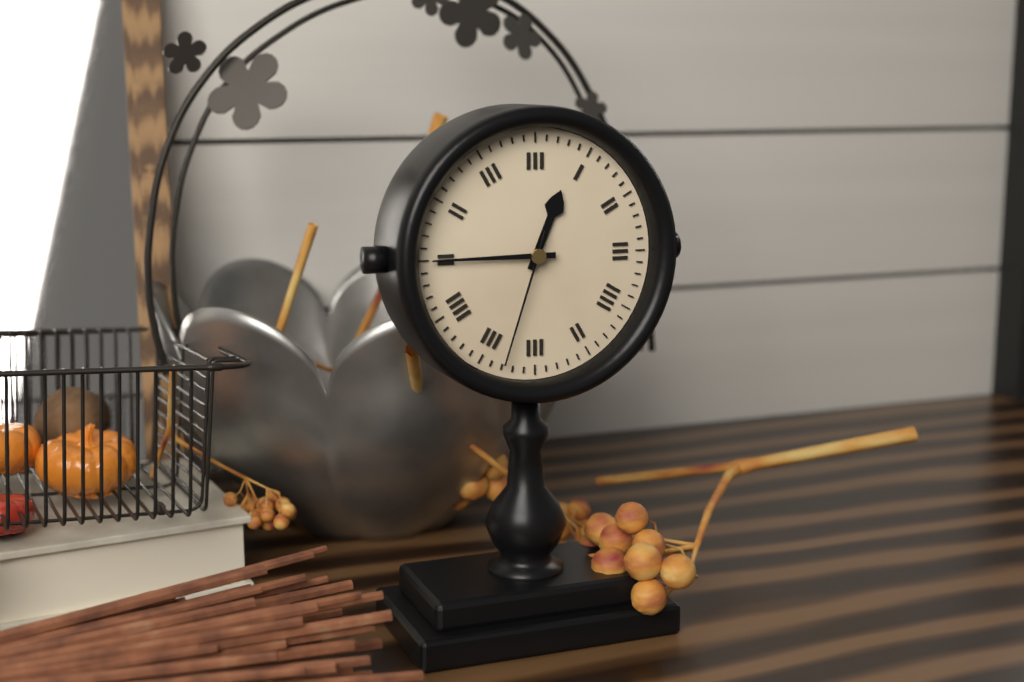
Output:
12 h 45 min 33 s
